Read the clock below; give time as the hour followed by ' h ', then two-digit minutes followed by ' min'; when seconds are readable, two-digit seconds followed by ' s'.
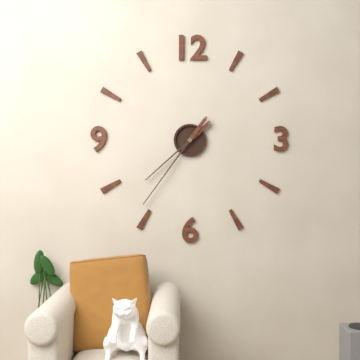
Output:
7 h 36 min
